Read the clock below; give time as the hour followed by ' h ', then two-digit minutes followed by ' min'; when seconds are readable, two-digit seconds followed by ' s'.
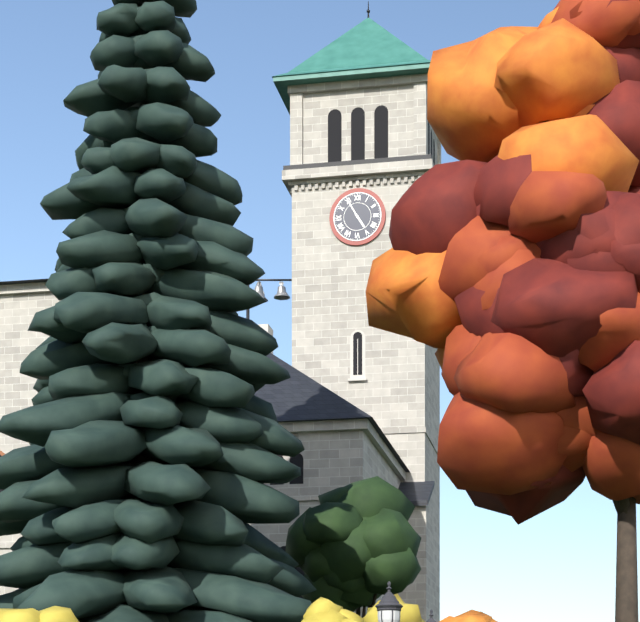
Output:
4 h 55 min
